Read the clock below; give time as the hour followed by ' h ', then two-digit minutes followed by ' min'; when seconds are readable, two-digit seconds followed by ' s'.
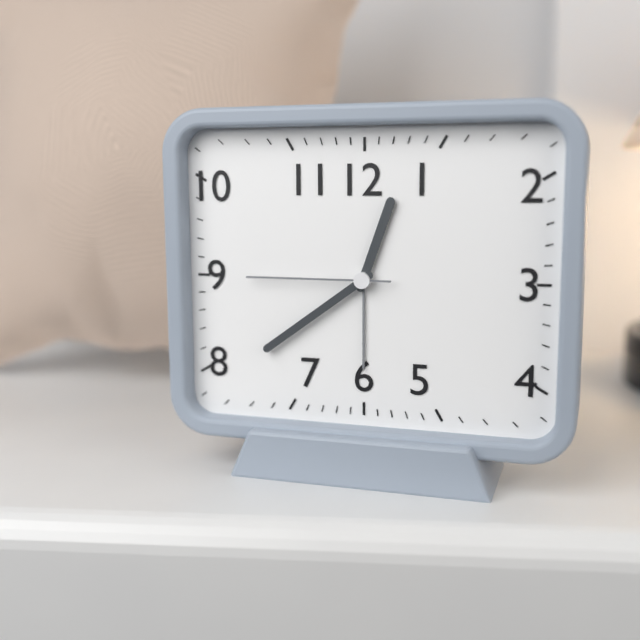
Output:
12 h 39 min 45 s
